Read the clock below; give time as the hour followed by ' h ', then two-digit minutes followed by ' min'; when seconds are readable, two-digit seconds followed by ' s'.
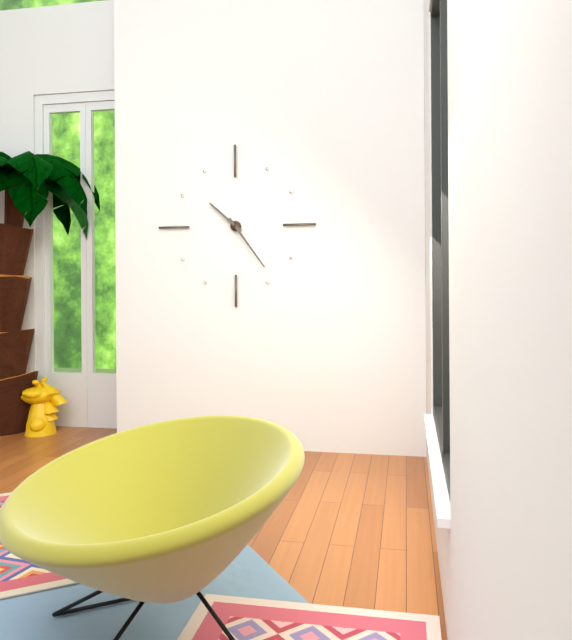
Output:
10 h 24 min
